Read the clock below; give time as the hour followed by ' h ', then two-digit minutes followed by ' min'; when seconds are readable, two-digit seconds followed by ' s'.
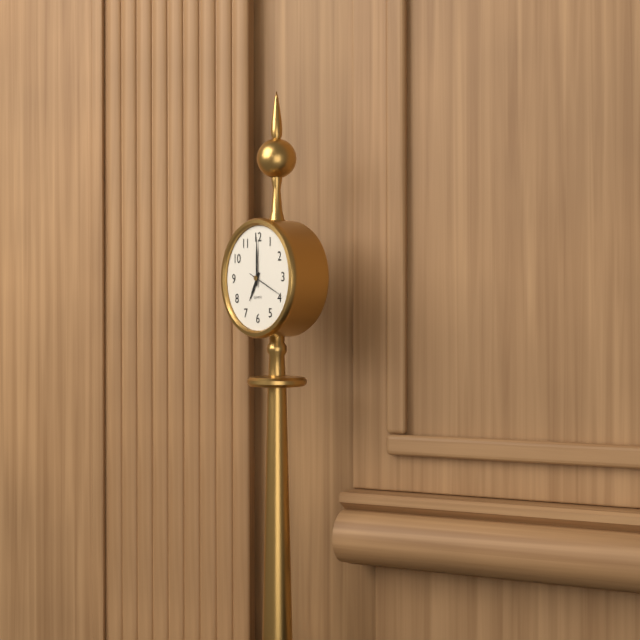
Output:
7 h 00 min
